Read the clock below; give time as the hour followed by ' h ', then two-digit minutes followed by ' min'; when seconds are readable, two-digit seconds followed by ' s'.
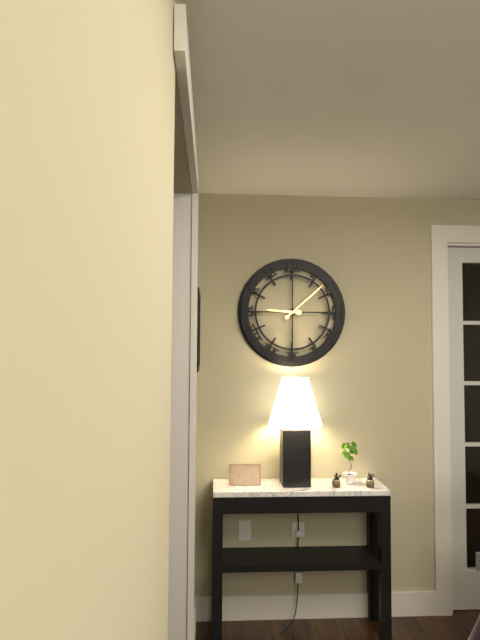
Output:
9 h 08 min
